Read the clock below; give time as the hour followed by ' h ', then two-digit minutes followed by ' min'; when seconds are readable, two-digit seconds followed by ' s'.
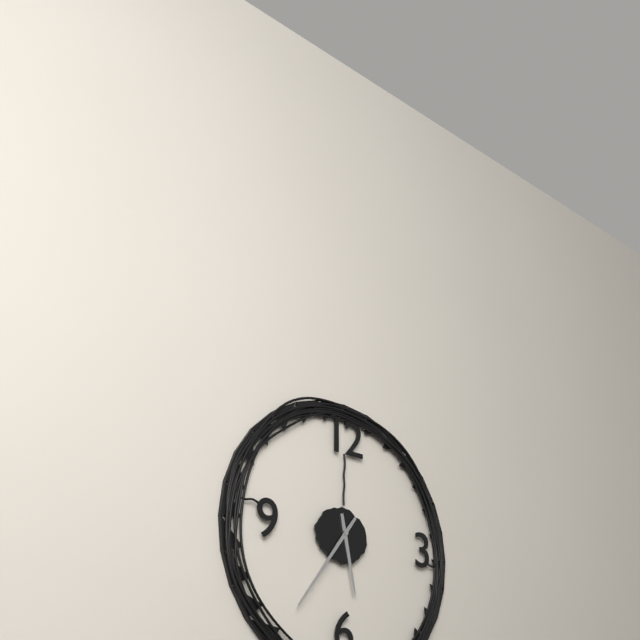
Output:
5 h 36 min
